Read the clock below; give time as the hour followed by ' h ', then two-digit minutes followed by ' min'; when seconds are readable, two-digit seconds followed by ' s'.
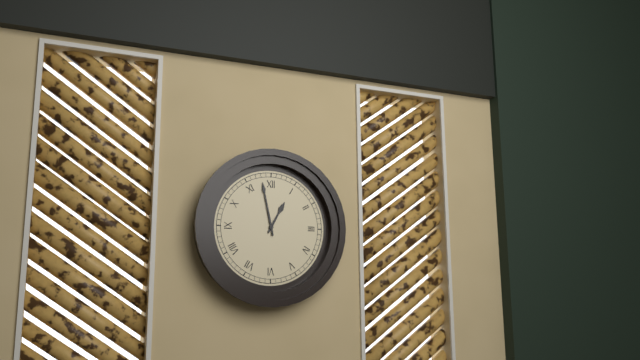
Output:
12 h 58 min
